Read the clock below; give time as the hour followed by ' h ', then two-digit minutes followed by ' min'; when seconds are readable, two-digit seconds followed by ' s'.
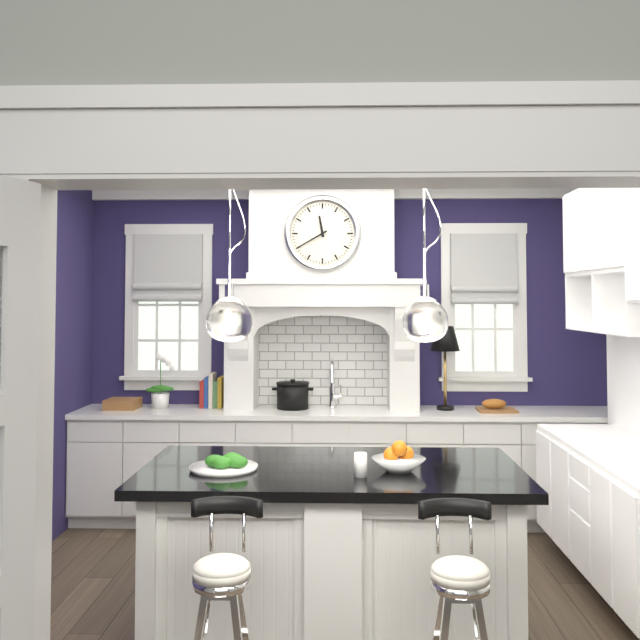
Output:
11 h 40 min
